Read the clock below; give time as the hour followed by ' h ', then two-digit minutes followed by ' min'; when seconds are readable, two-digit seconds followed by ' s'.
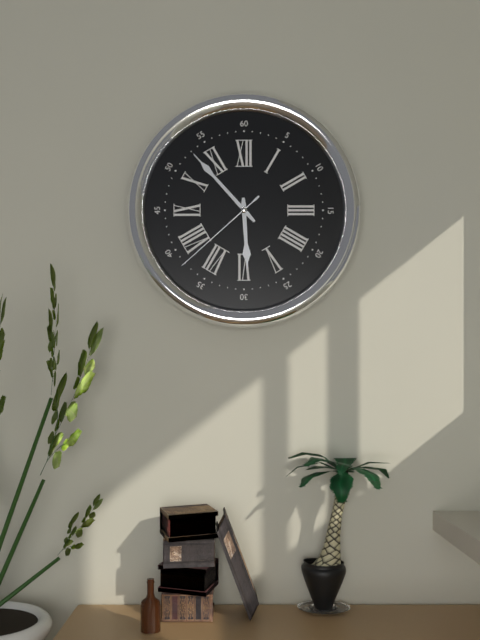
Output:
5 h 53 min 38 s
